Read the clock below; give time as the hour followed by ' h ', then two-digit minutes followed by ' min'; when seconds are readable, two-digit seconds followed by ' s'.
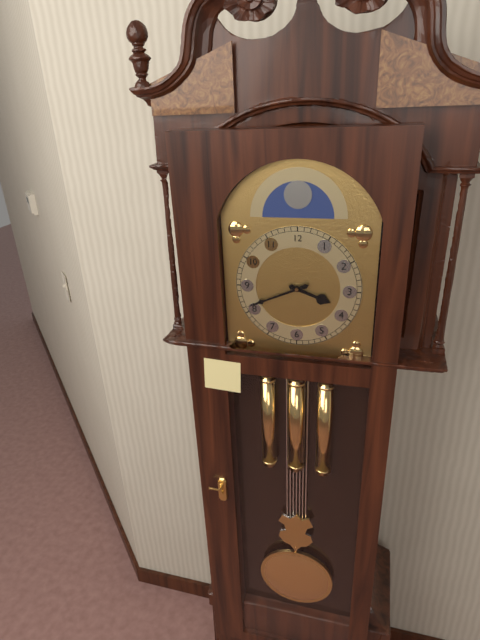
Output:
3 h 41 min
